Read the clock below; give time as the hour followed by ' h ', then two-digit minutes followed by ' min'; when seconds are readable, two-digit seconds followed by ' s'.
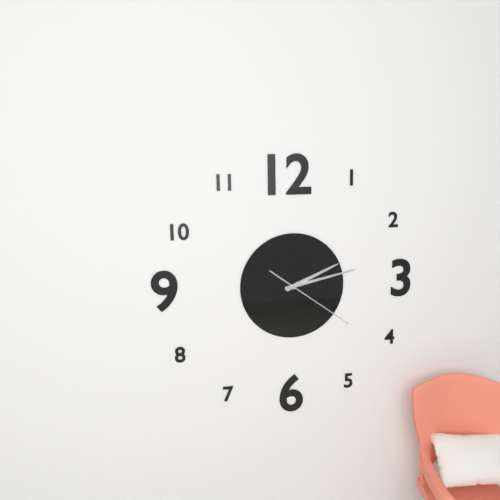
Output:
2 h 13 min 21 s
